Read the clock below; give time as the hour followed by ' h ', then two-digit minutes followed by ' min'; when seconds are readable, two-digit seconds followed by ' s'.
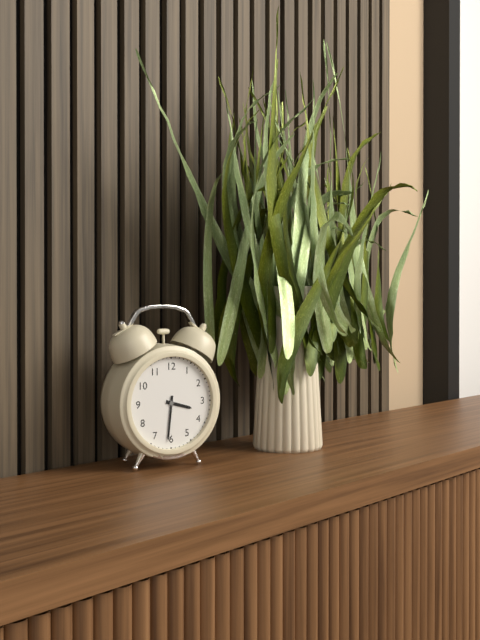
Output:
3 h 31 min
